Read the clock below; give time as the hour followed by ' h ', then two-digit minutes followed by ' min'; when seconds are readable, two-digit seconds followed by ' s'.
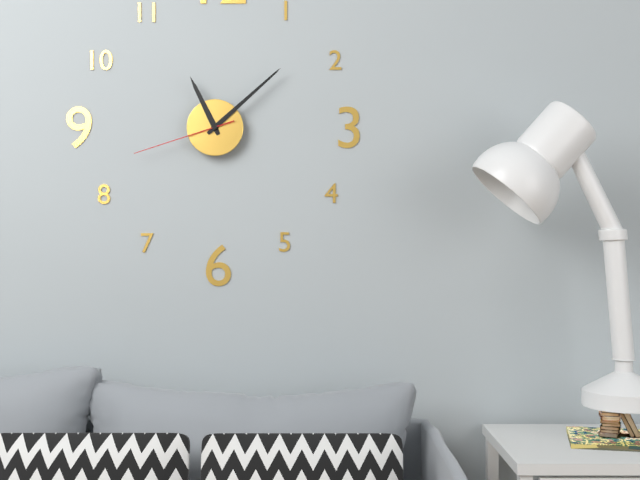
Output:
11 h 08 min 42 s
